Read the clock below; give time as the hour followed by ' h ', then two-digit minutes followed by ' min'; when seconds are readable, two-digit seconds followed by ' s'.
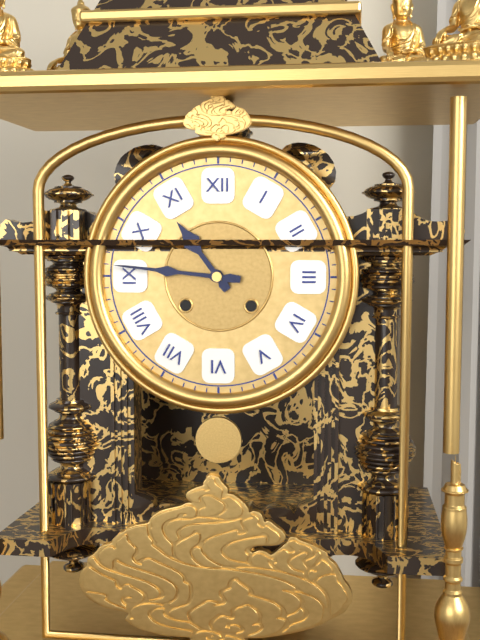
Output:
10 h 46 min
